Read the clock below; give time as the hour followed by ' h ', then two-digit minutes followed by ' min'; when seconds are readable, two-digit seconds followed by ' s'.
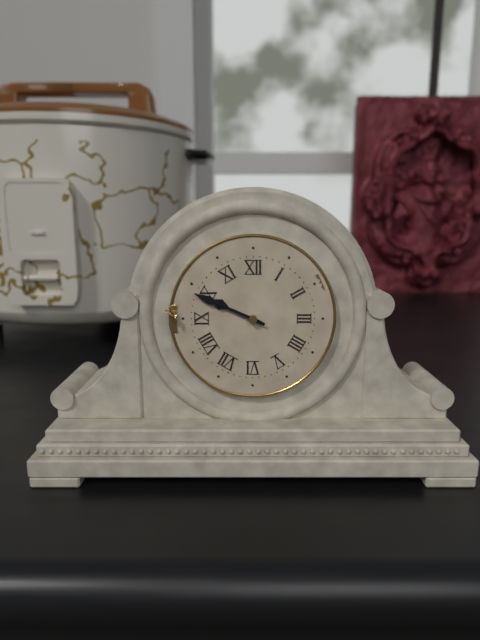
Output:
9 h 49 min
